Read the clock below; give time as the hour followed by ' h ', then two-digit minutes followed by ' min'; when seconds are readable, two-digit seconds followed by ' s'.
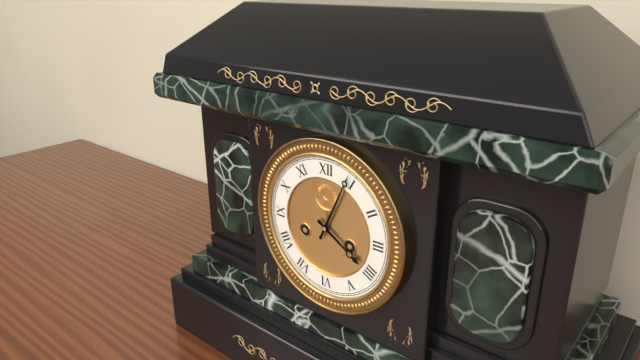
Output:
4 h 04 min
